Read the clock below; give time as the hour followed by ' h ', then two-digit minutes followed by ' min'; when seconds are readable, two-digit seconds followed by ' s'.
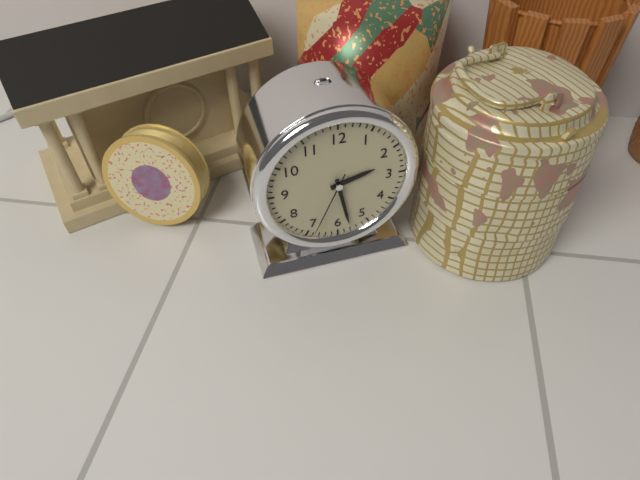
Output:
2 h 28 min 34 s
